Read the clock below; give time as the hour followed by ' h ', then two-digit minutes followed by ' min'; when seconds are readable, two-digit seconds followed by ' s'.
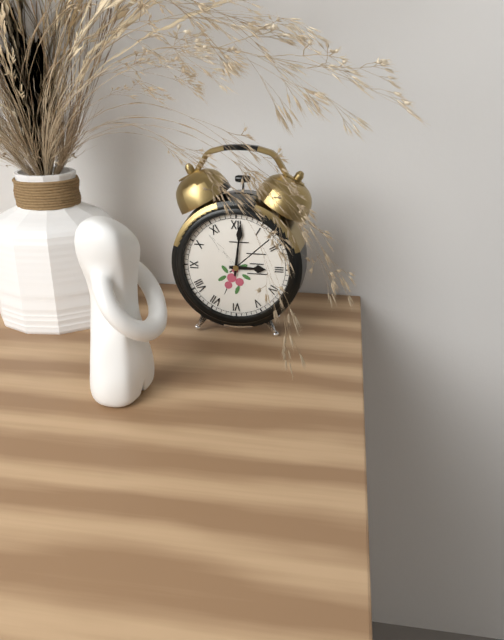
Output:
3 h 01 min
